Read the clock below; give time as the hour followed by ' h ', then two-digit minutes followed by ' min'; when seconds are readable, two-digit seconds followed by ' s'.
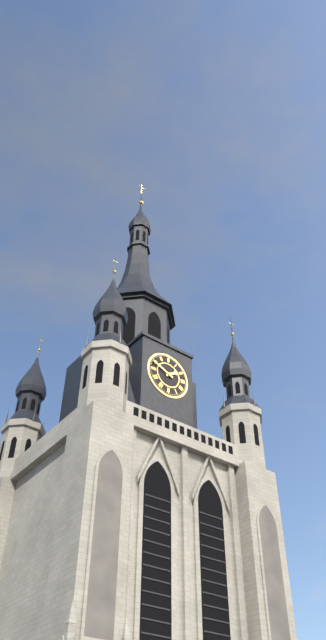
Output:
1 h 49 min
